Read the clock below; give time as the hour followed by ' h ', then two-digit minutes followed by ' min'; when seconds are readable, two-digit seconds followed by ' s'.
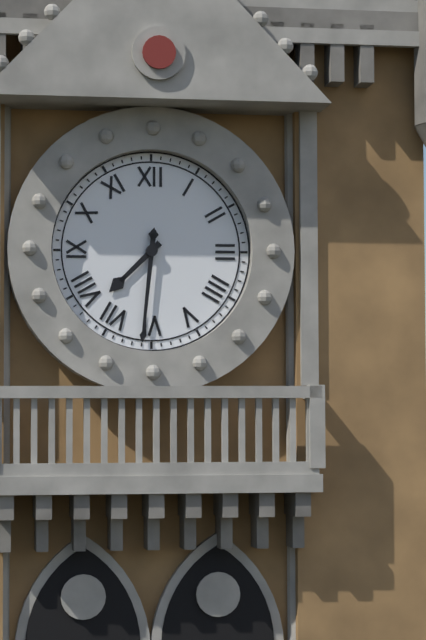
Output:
7 h 31 min
